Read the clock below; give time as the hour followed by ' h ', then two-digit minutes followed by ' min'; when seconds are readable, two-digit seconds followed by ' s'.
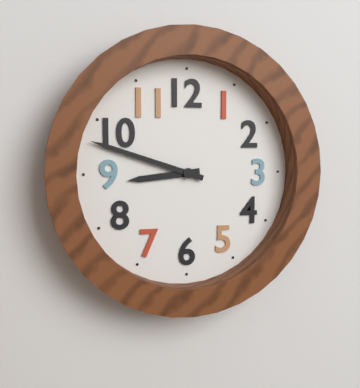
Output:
8 h 48 min
